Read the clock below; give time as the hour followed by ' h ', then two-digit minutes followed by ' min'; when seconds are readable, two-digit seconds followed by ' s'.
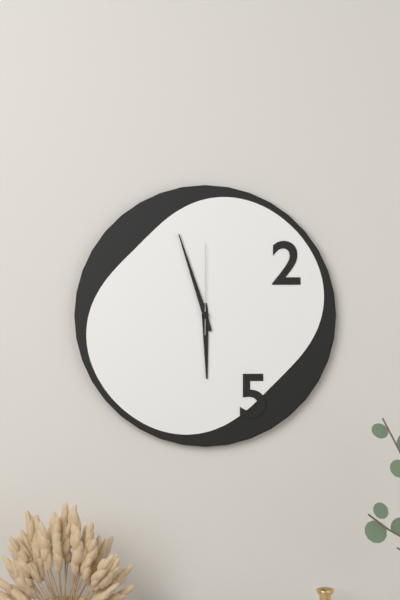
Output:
5 h 57 min 00 s
